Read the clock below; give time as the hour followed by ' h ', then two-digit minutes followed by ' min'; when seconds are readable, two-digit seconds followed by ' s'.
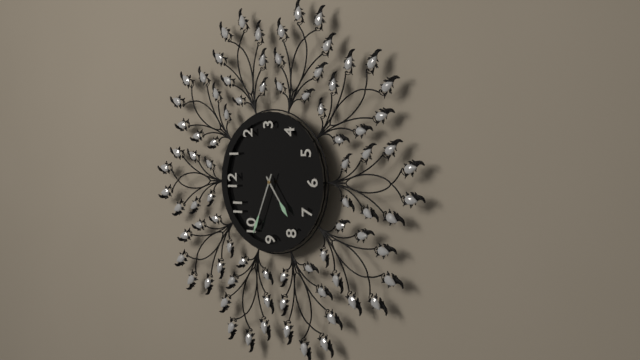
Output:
7 h 49 min
